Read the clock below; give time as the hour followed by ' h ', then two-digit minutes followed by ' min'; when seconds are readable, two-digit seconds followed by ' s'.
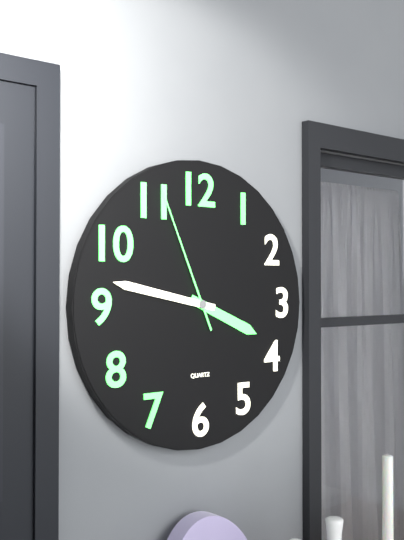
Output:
3 h 47 min 56 s
